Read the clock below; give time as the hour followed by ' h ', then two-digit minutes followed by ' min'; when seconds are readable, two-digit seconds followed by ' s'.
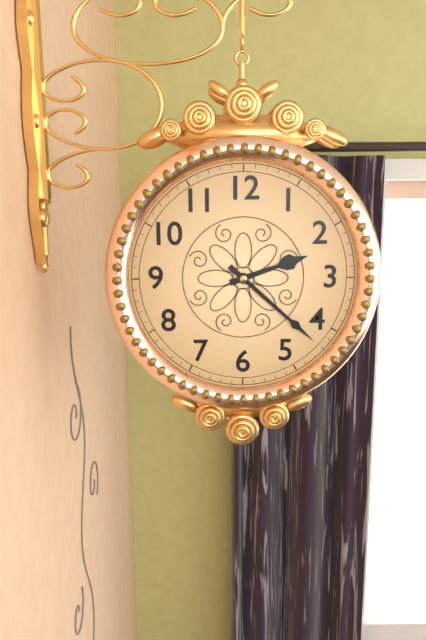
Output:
2 h 22 min
